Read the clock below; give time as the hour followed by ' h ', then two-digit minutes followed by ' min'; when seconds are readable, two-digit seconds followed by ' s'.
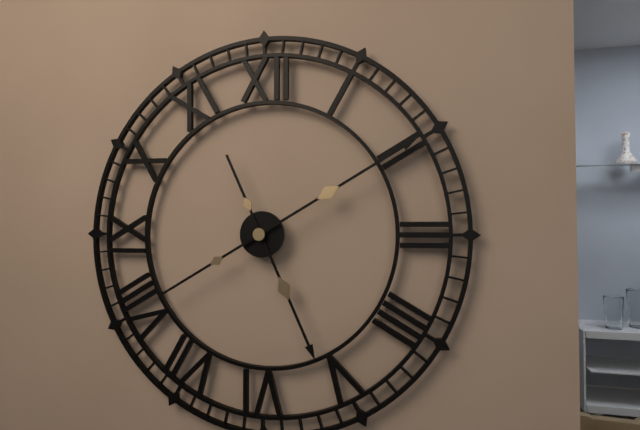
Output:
5 h 10 min
